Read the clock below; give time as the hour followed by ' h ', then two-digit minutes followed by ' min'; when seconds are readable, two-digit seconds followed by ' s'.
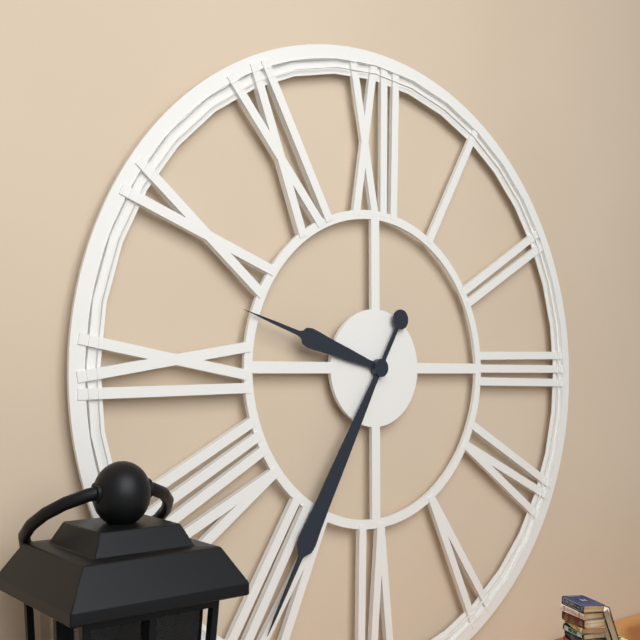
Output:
9 h 35 min
